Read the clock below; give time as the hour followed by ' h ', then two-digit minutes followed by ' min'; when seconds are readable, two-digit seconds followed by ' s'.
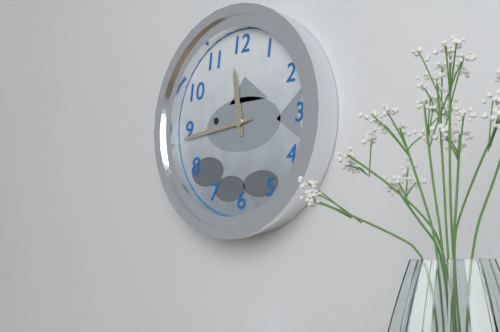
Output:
11 h 44 min
